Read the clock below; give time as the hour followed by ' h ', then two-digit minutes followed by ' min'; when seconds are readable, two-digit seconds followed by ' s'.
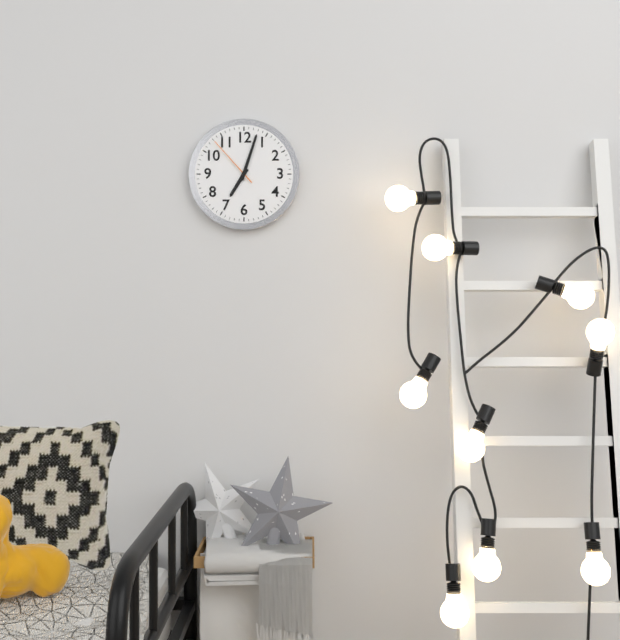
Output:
7 h 03 min 53 s
